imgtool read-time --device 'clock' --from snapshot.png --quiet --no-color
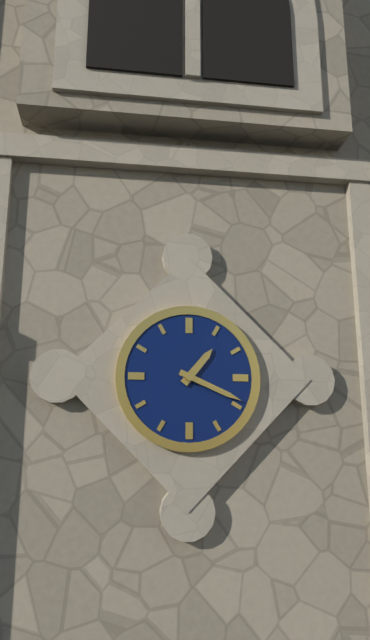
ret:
1:19
